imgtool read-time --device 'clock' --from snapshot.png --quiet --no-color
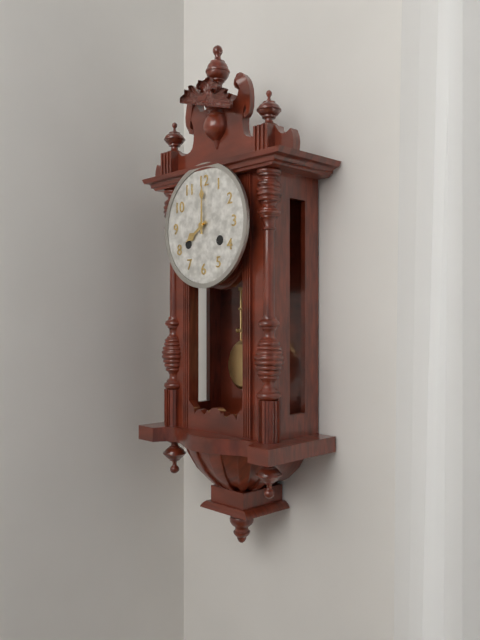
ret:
8:00
